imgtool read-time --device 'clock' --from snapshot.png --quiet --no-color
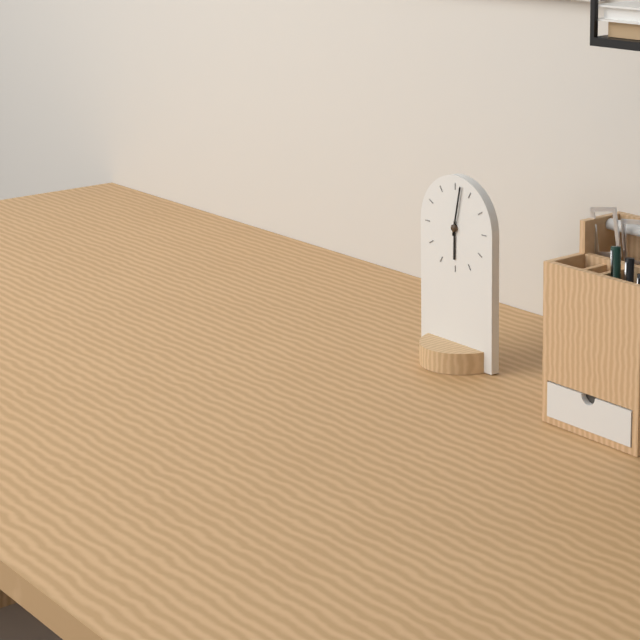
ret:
6:02
